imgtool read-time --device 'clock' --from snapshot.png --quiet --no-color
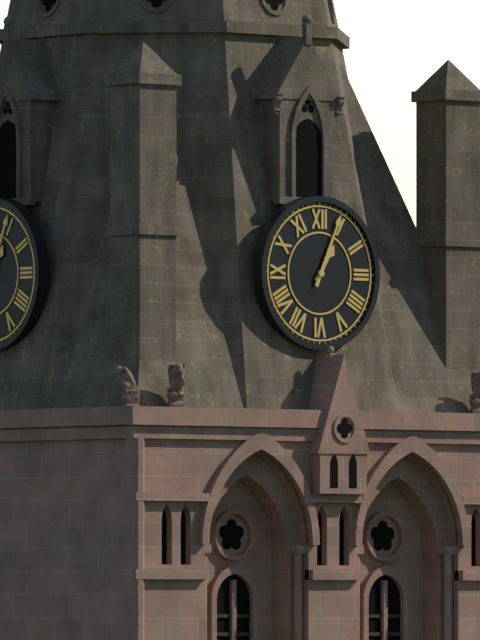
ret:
1:04
